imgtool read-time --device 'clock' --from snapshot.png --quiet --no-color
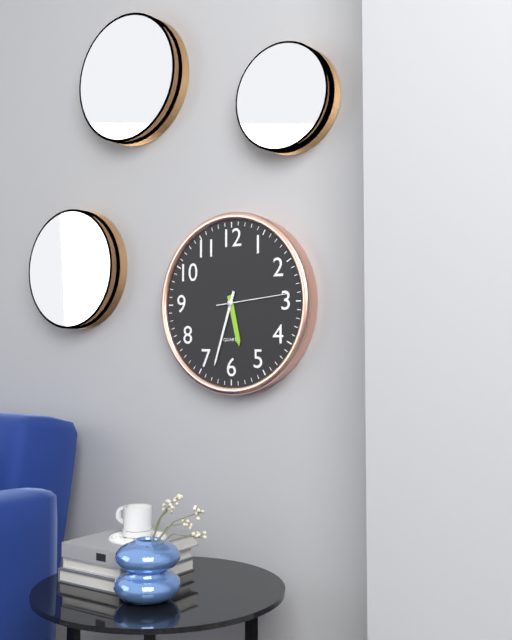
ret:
5:33:14
